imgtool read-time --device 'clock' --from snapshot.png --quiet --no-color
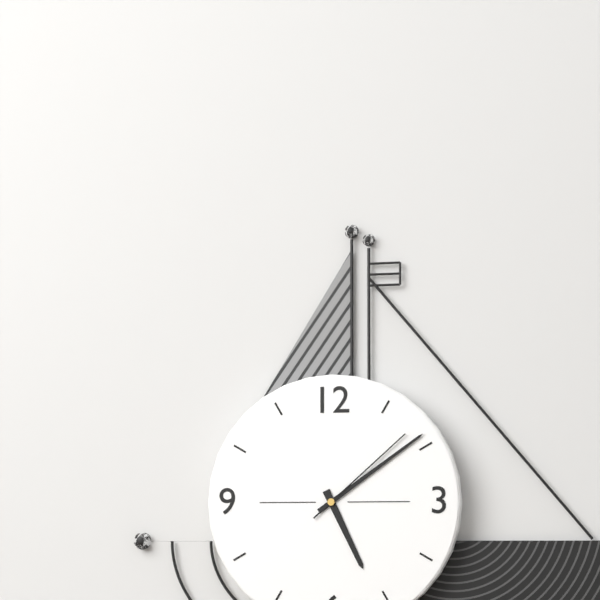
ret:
5:09:08
